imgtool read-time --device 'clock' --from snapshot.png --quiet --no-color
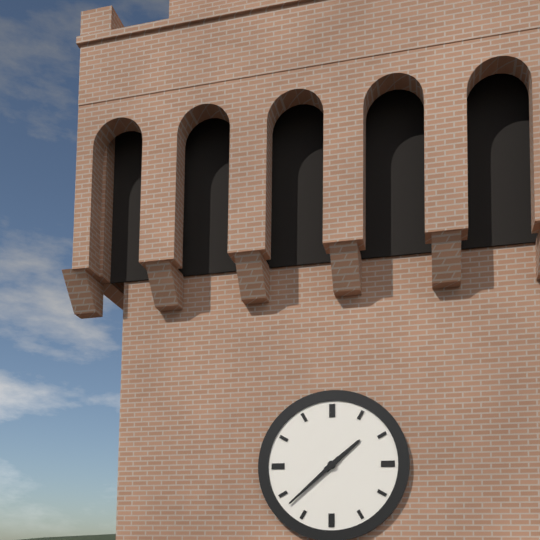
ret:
1:38
